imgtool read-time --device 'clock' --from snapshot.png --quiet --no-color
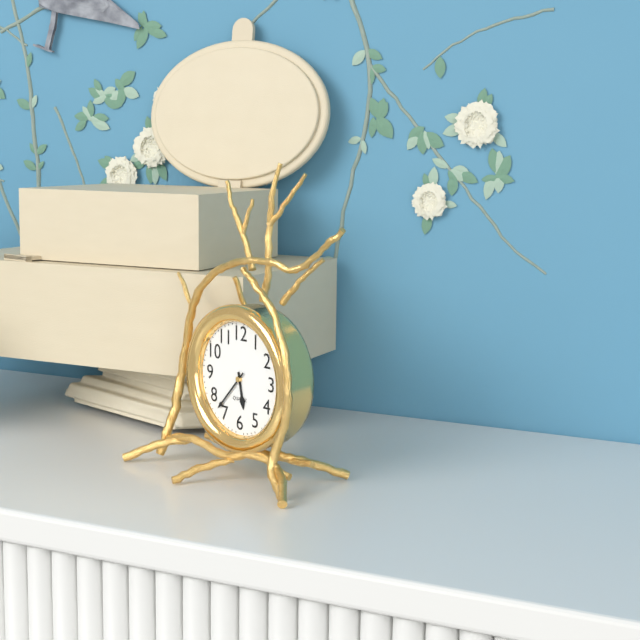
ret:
5:37
